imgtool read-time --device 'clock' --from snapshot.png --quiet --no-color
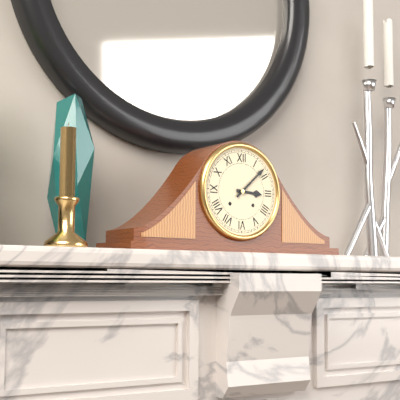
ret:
3:08
